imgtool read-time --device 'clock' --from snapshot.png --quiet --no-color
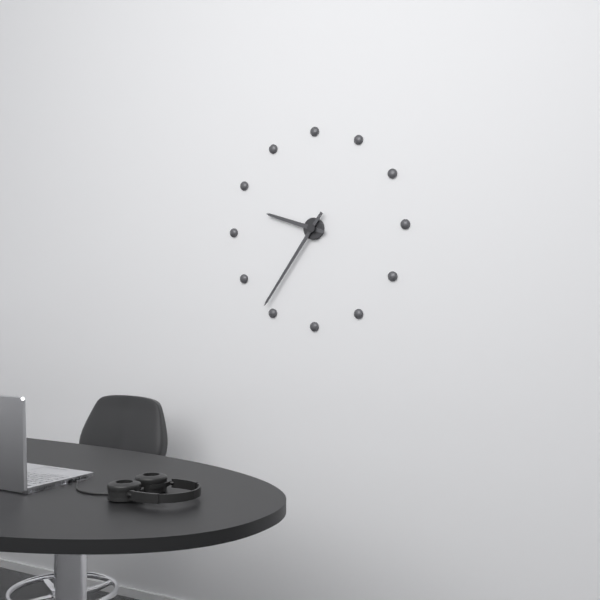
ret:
9:36
